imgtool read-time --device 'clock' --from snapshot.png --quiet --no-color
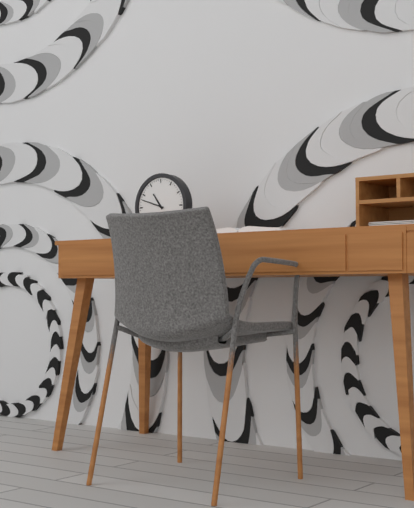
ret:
10:48
